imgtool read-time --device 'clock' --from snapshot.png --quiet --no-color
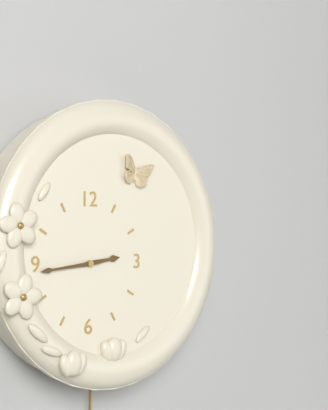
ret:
2:44
